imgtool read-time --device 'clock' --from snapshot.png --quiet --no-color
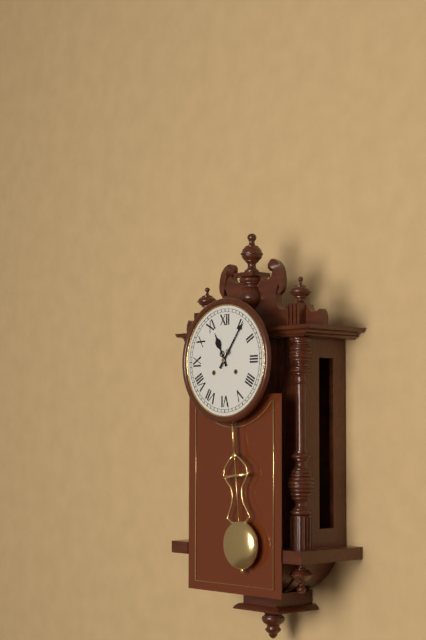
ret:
11:06
